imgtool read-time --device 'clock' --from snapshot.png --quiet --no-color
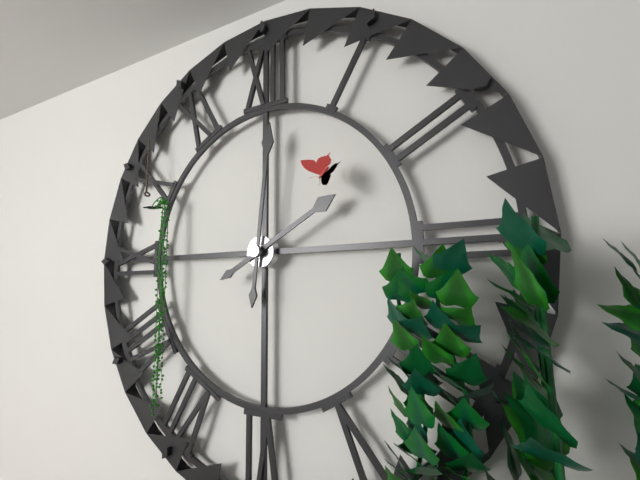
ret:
2:01
